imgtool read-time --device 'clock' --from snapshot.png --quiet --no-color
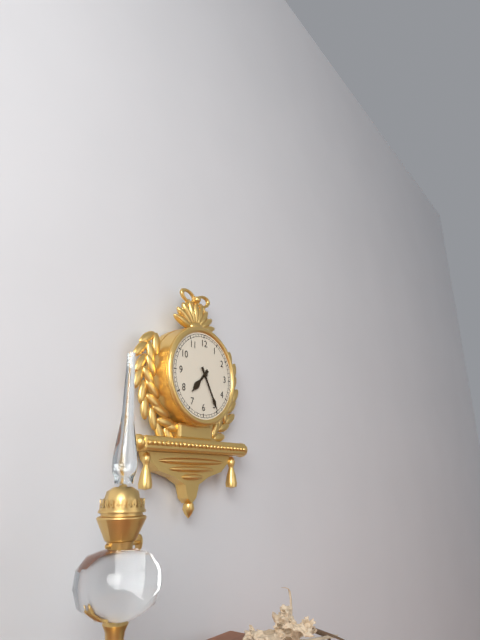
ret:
7:25
